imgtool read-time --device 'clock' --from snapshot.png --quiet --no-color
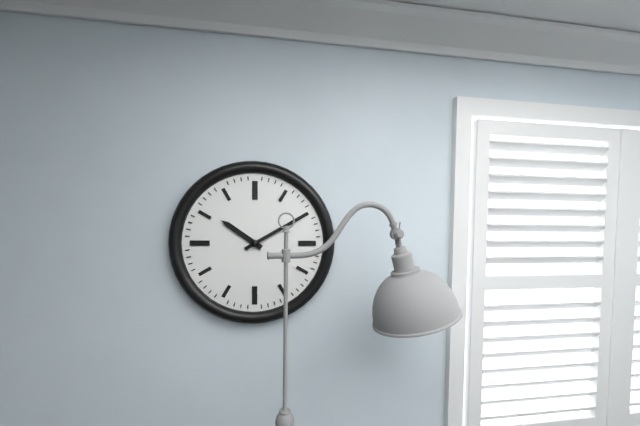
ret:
10:10
